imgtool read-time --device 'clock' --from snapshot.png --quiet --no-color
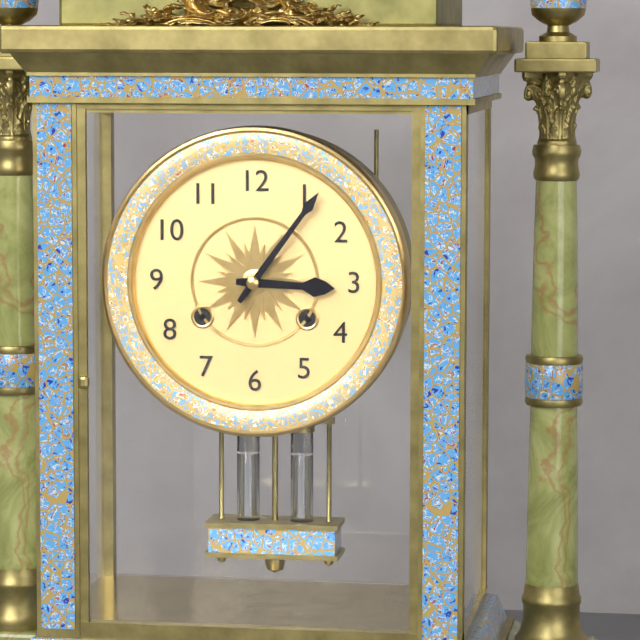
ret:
3:06
